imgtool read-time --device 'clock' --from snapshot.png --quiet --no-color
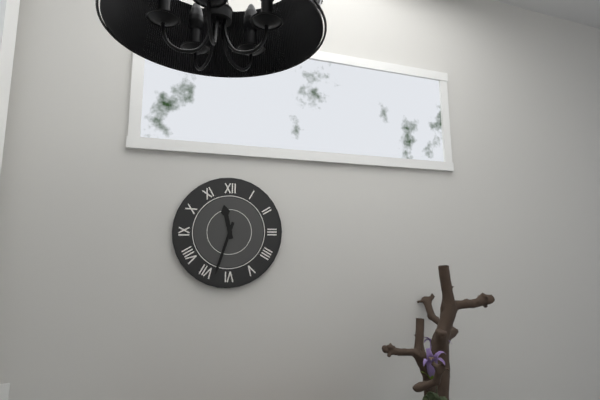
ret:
11:33
